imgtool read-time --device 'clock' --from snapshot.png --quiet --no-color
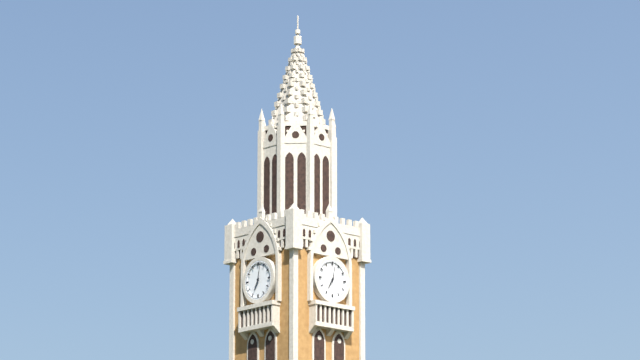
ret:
7:02
